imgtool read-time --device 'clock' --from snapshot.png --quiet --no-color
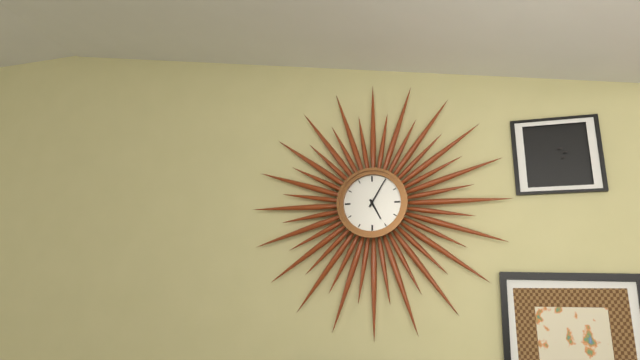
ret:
5:05
